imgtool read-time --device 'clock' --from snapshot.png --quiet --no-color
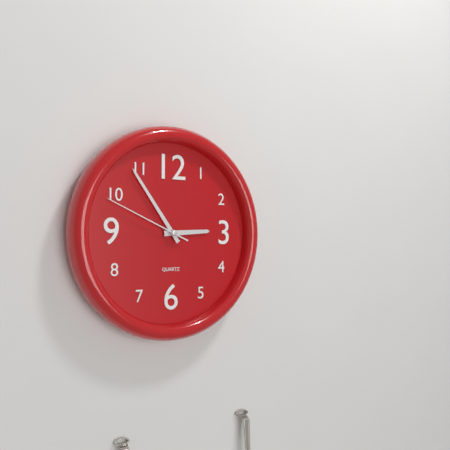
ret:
2:54:49
